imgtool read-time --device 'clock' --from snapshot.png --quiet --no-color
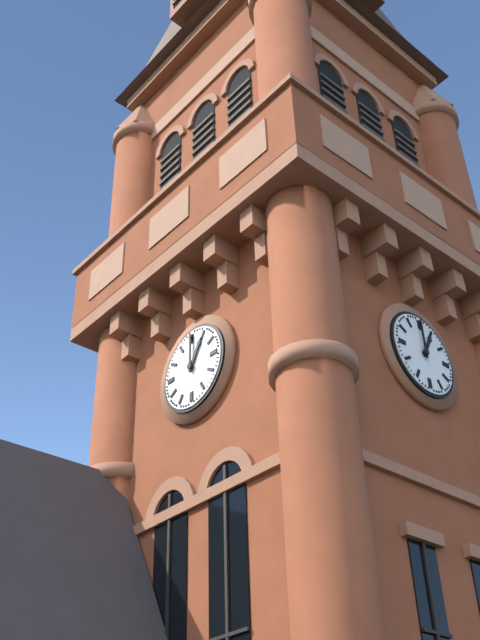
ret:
1:00
